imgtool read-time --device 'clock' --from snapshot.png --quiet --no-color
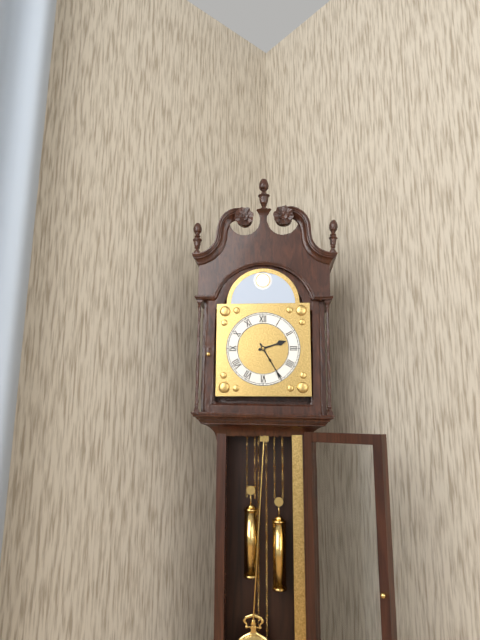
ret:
2:25
